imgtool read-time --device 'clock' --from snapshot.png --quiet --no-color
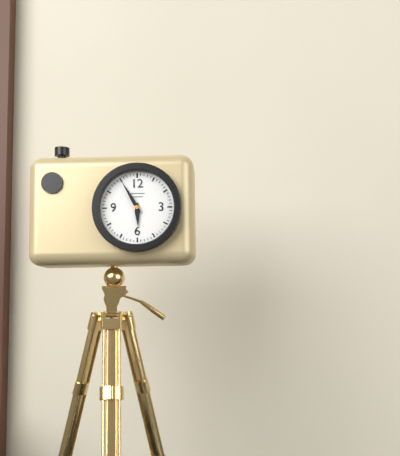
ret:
5:55
